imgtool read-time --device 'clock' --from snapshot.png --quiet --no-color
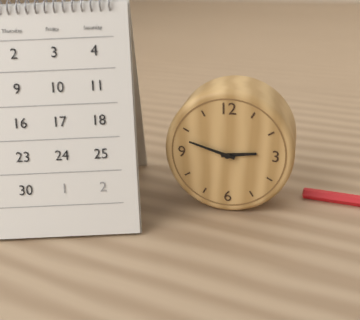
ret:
2:48
